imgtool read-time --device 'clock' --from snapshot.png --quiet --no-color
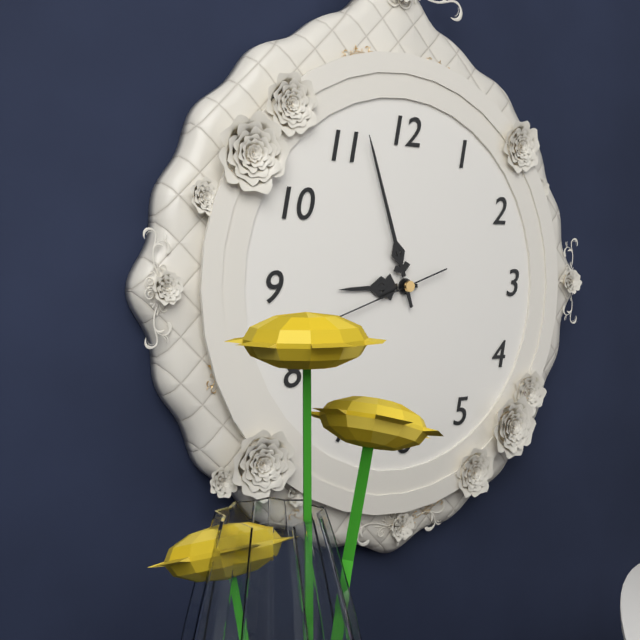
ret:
8:57
